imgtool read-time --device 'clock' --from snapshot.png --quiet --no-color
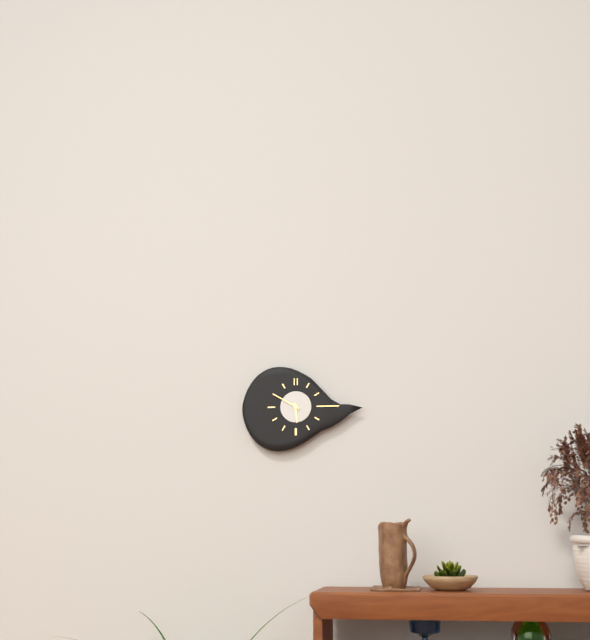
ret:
5:50
